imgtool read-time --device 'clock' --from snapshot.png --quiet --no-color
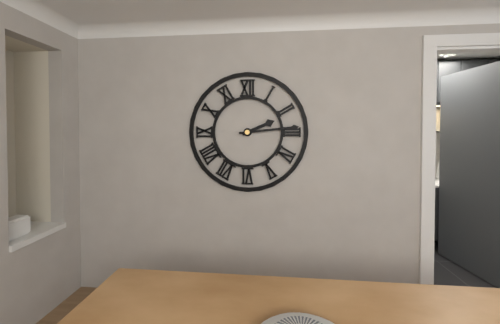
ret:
2:14
